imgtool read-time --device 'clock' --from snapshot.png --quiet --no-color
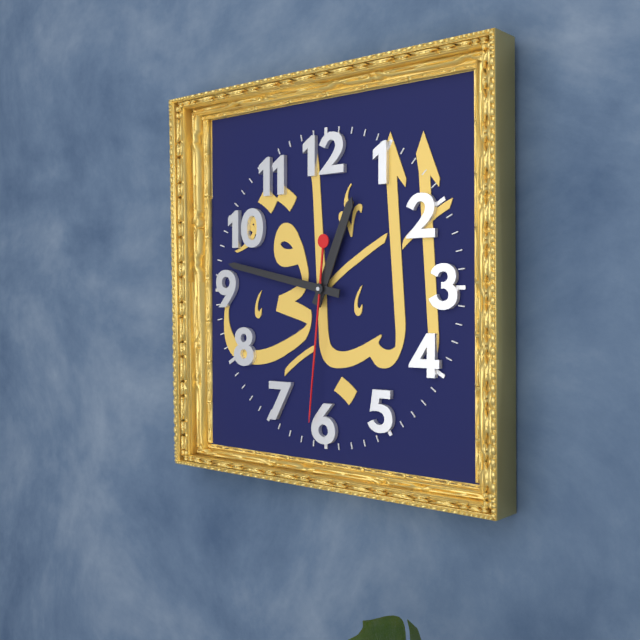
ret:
12:47:31
